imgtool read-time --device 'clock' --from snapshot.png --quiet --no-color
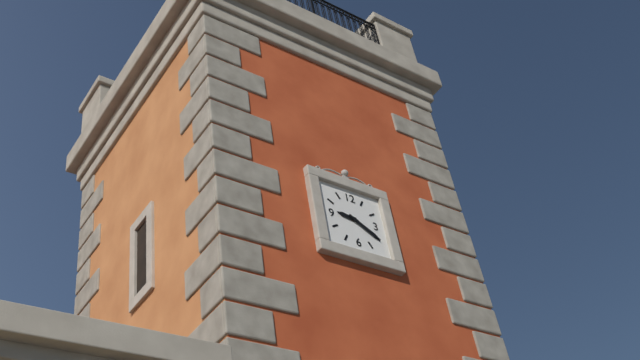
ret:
9:20
